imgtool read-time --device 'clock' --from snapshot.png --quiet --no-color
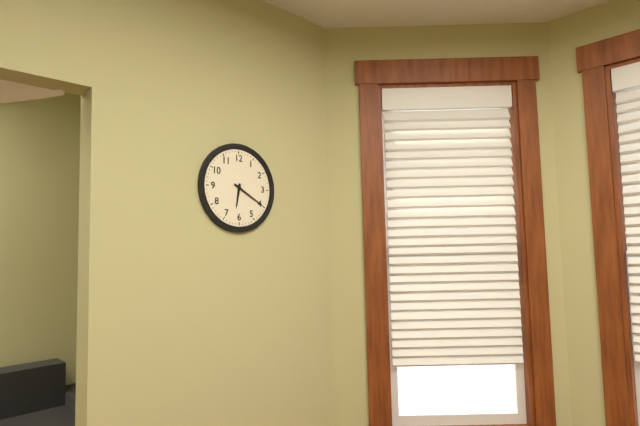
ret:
6:20
